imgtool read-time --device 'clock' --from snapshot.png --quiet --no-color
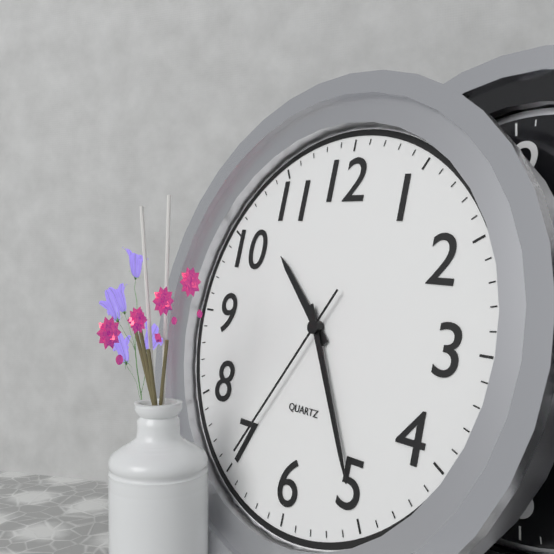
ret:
10:25:35
